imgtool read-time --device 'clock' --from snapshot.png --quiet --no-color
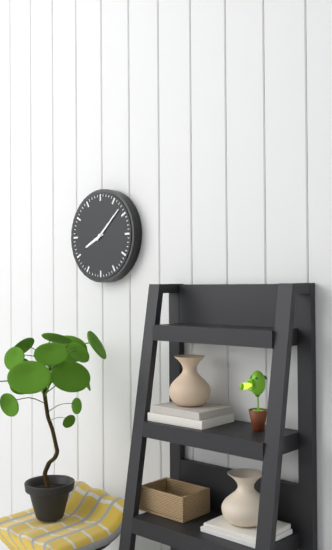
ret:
8:08
